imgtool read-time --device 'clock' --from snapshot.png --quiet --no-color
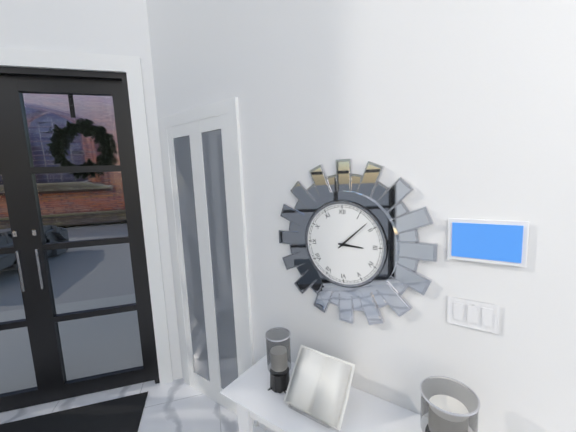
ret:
3:08
